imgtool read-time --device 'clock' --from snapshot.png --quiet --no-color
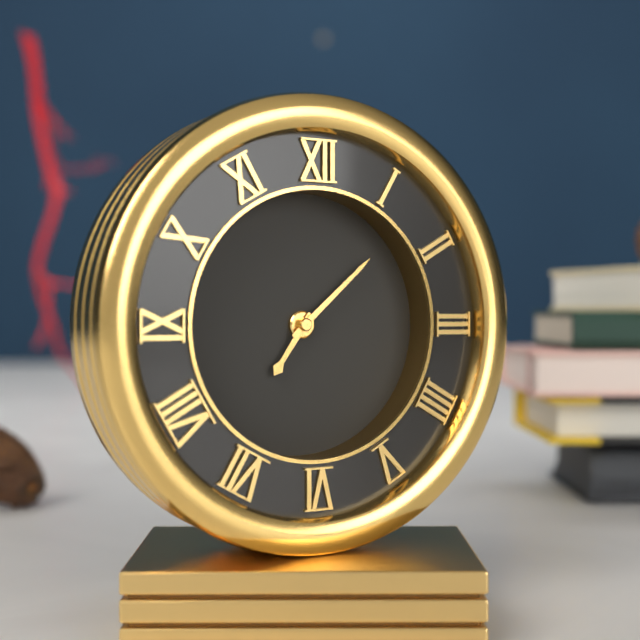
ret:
7:08
